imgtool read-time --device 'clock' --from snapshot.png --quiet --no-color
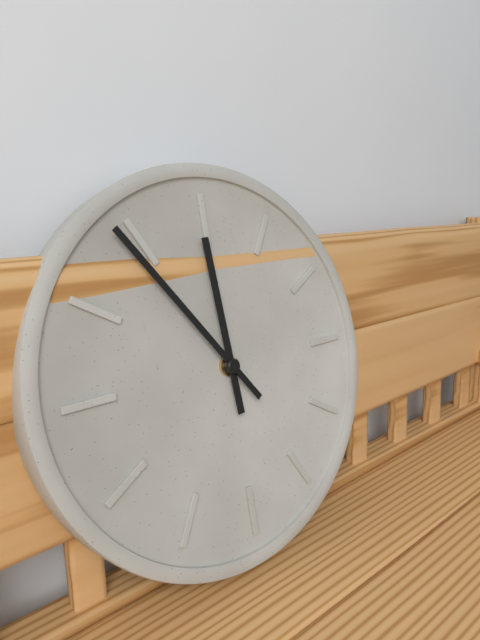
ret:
11:54
